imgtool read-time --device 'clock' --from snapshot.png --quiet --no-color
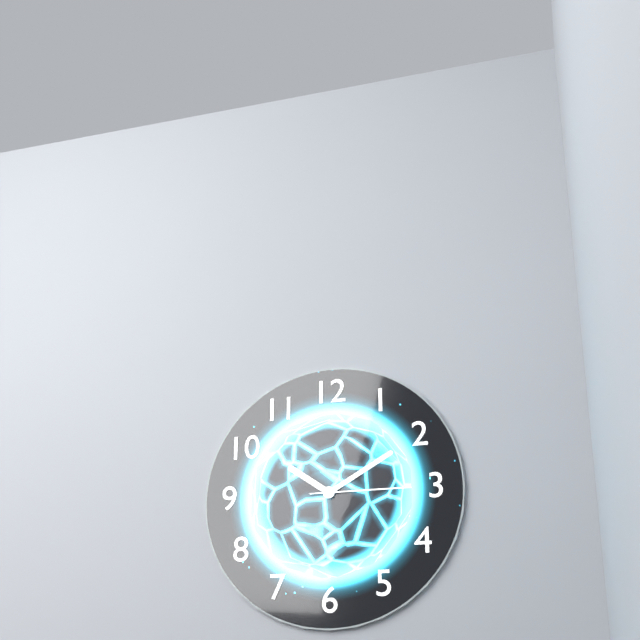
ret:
10:10:15
